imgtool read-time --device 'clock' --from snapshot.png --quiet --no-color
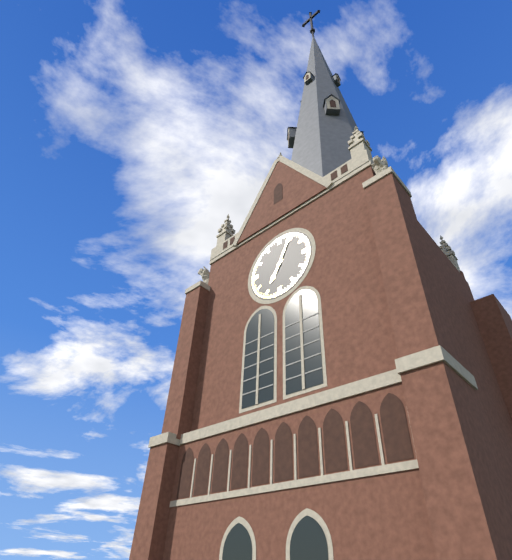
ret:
7:04
